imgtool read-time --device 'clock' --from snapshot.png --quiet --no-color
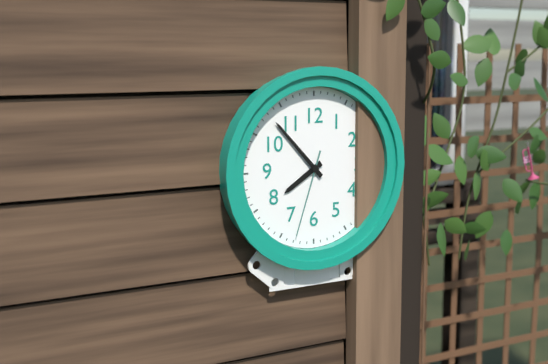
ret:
7:53:33
